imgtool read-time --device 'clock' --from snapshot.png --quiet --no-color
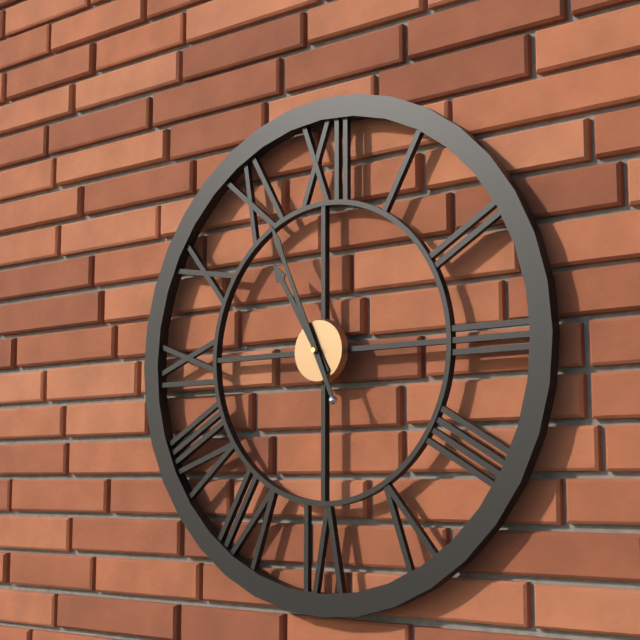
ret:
10:56
